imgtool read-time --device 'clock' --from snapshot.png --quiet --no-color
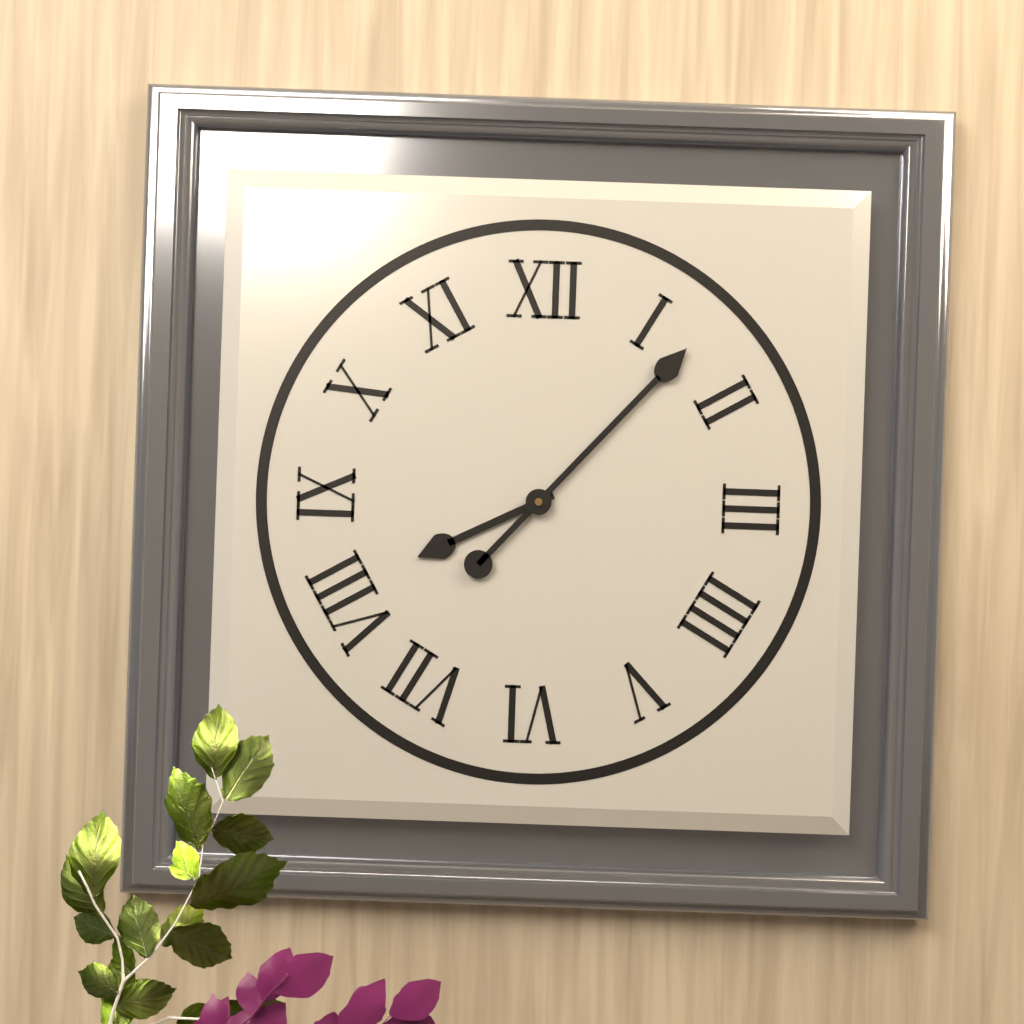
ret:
8:07
